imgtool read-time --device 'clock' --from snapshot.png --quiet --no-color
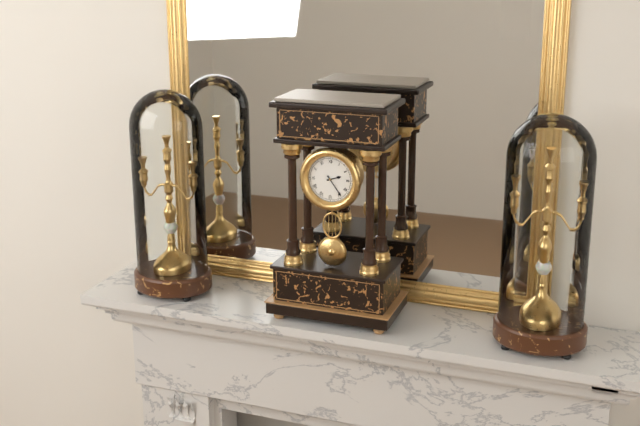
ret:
2:24
